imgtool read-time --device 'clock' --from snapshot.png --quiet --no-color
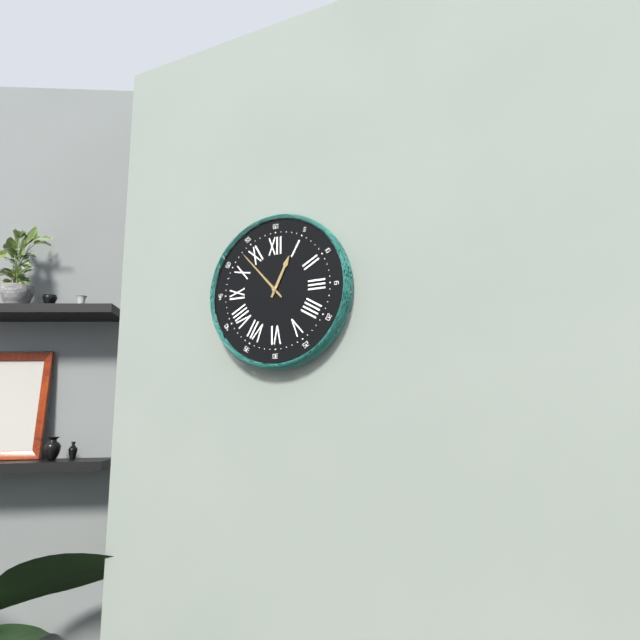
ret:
12:53
